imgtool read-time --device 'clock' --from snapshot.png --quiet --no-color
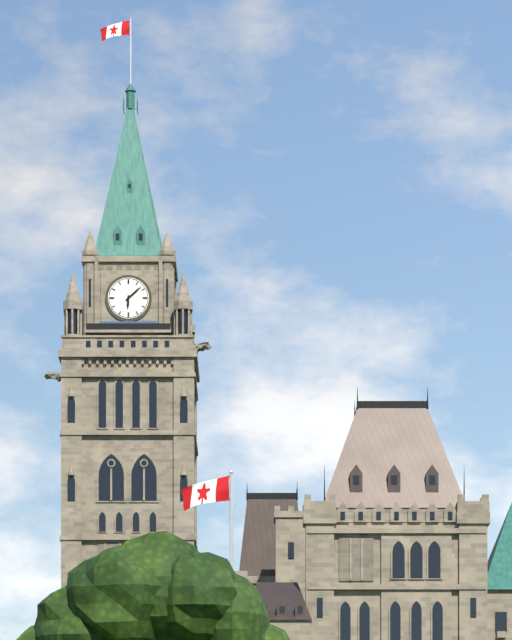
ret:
6:08
